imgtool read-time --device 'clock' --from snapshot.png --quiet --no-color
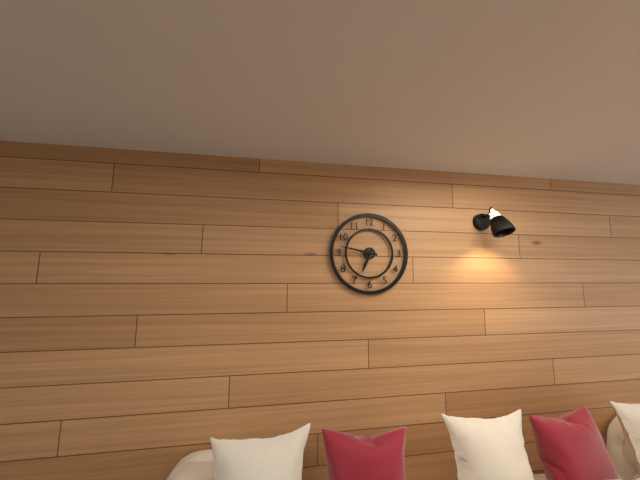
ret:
6:47
